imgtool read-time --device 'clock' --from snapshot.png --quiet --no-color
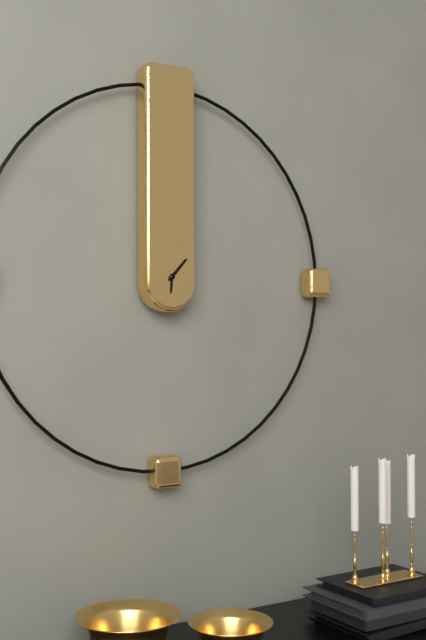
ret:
6:07
